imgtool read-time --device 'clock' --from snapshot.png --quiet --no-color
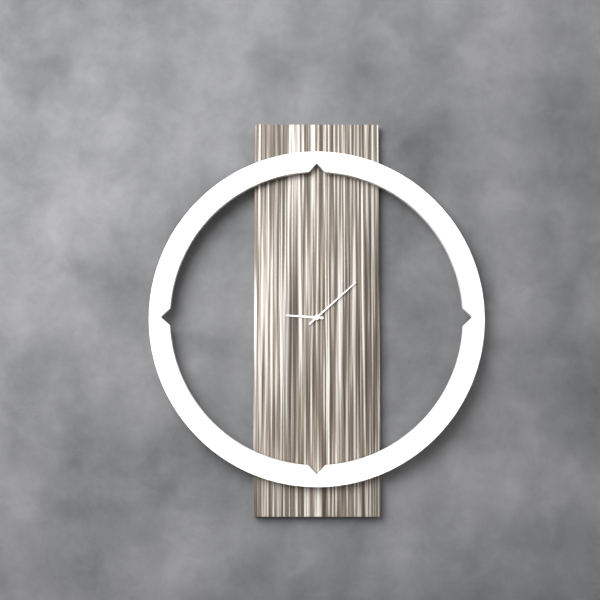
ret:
9:08
